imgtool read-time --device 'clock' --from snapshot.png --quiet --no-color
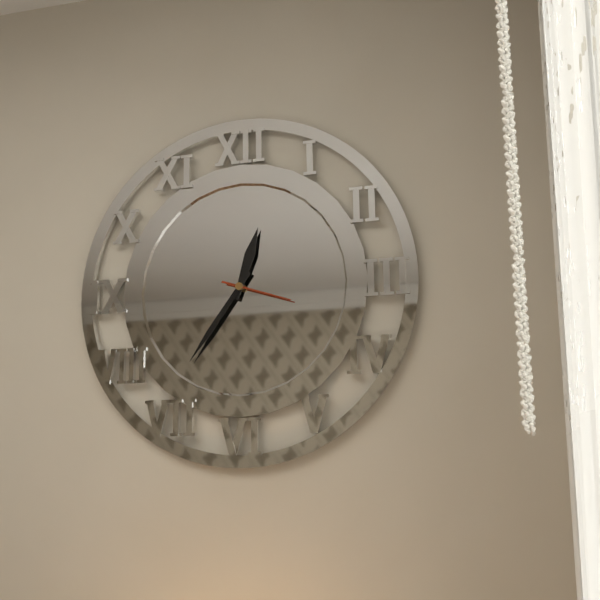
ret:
12:36:18
